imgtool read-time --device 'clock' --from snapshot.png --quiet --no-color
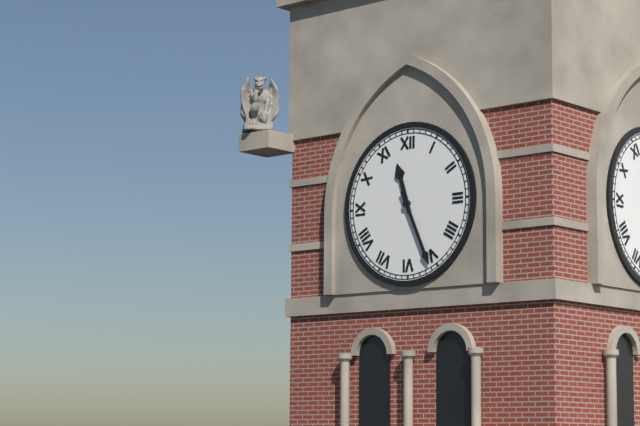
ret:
11:26
